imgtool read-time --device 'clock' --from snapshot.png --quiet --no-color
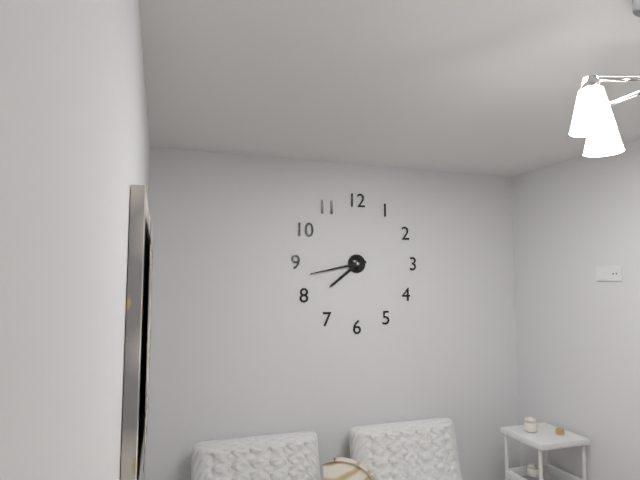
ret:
7:43
